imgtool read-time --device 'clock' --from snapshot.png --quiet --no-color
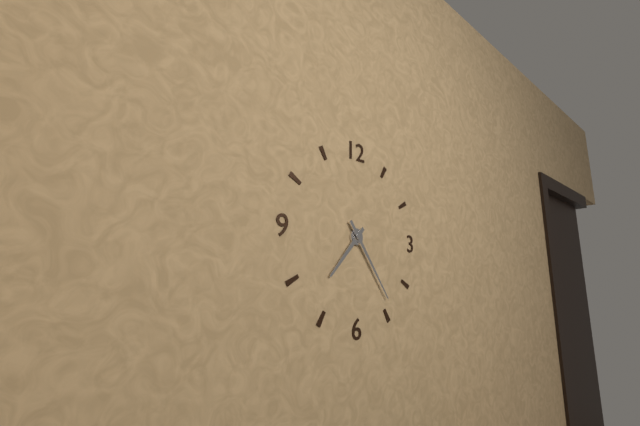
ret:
7:24
